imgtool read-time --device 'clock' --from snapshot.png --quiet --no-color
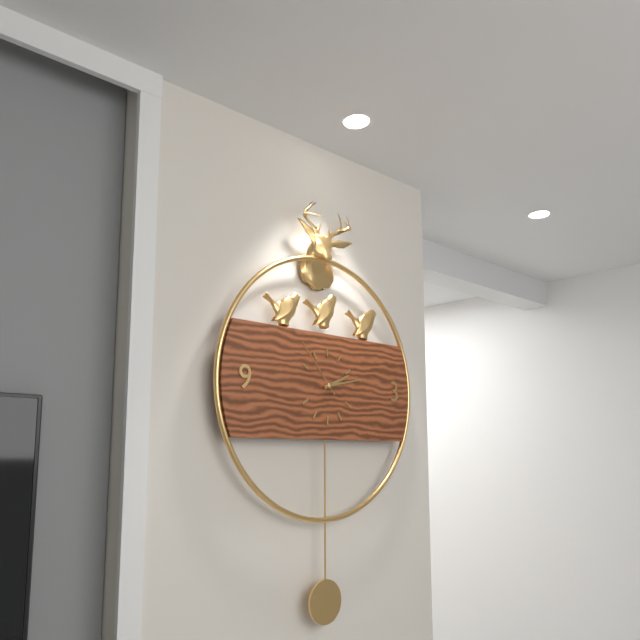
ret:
2:13:53
